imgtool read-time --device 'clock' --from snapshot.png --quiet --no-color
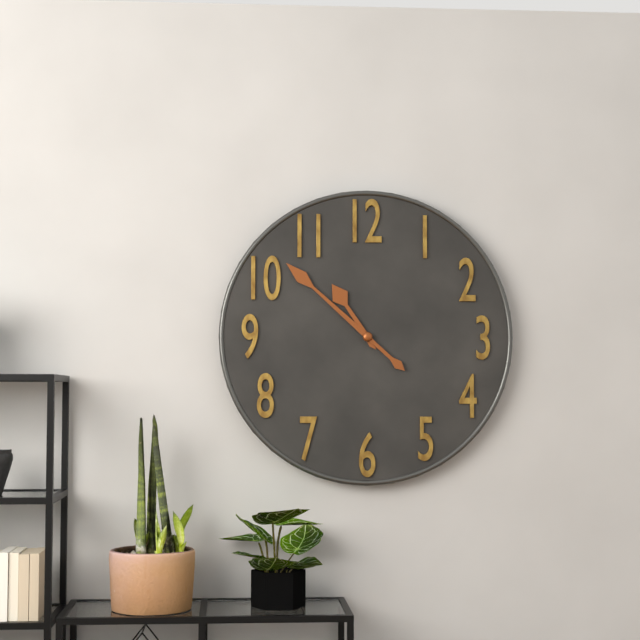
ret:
10:52
